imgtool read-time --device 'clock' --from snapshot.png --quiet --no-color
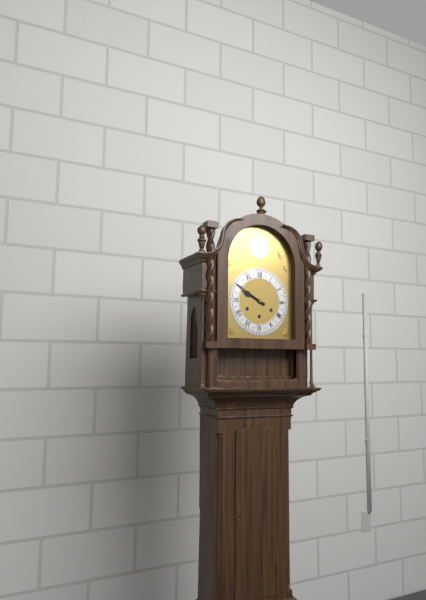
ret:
9:50
